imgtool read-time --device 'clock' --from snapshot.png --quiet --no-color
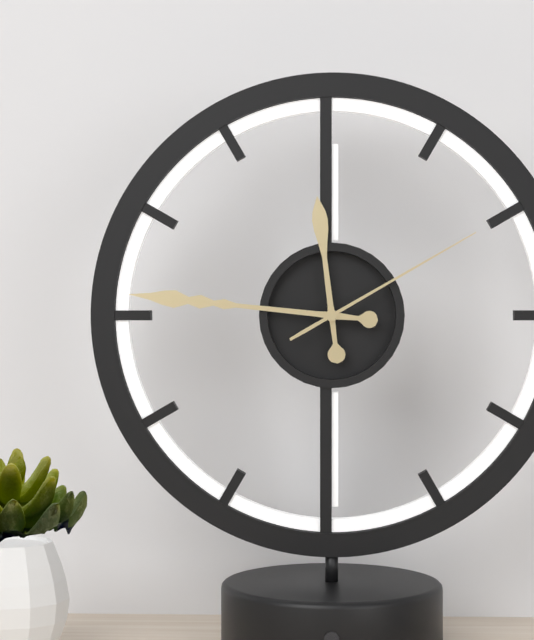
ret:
11:46:10
